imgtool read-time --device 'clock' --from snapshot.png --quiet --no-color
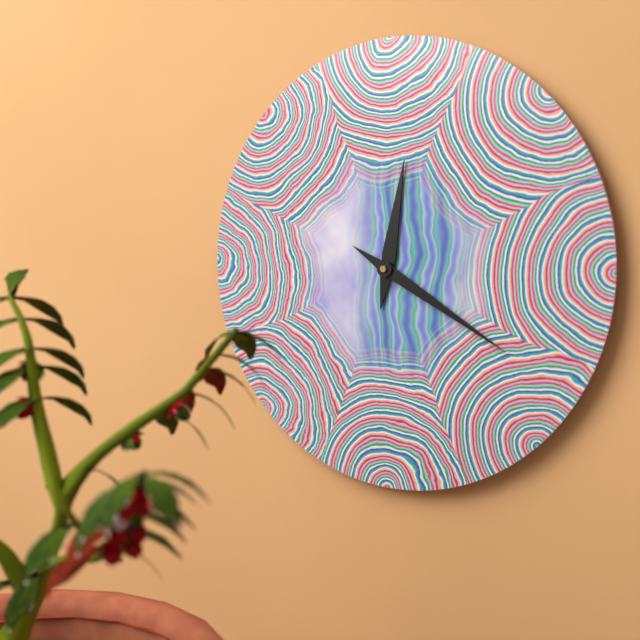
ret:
12:20
